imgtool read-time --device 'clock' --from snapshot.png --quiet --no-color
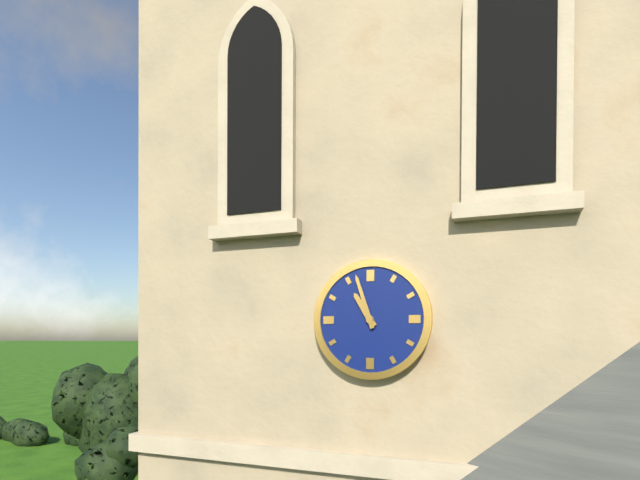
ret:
10:57
